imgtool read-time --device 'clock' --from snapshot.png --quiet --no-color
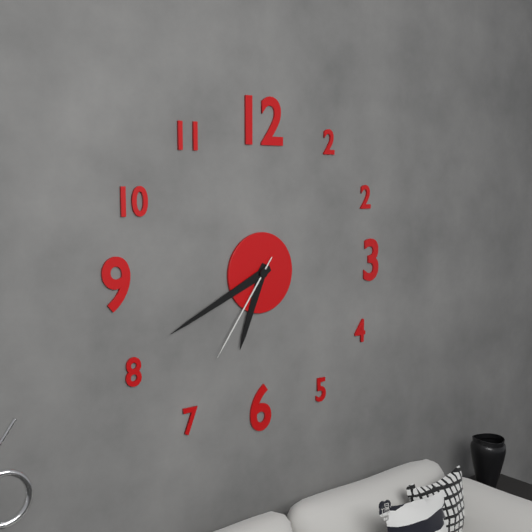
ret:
6:41:36
